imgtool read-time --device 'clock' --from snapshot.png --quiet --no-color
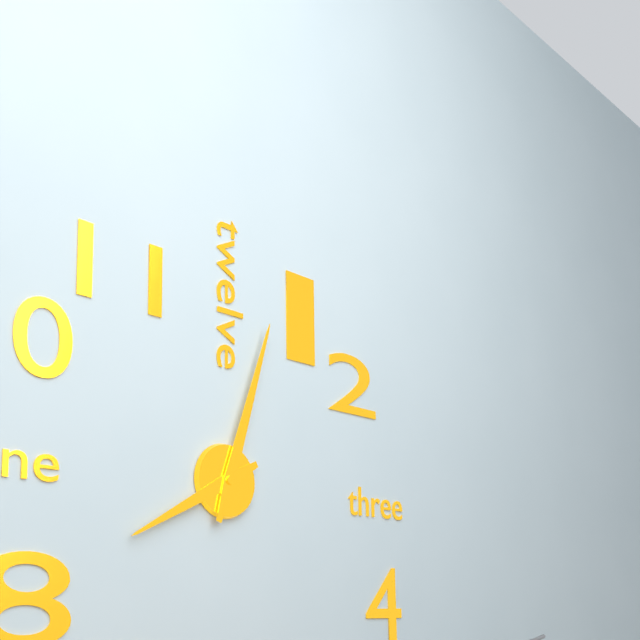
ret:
8:03
